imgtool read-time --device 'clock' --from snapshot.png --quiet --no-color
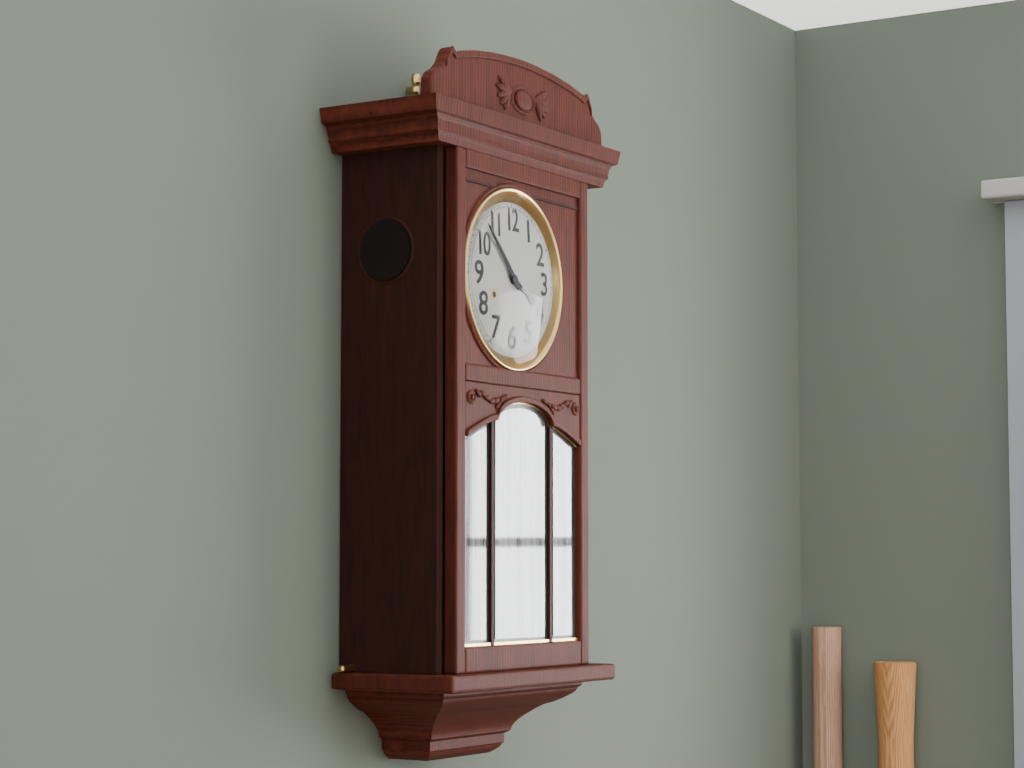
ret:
3:53
